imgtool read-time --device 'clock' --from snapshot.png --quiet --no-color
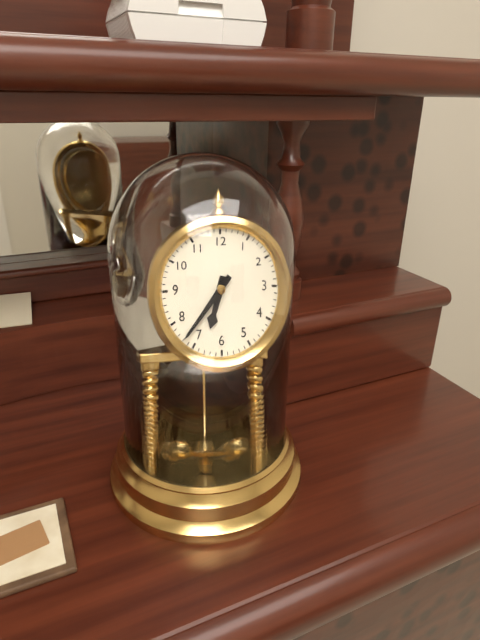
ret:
6:37
